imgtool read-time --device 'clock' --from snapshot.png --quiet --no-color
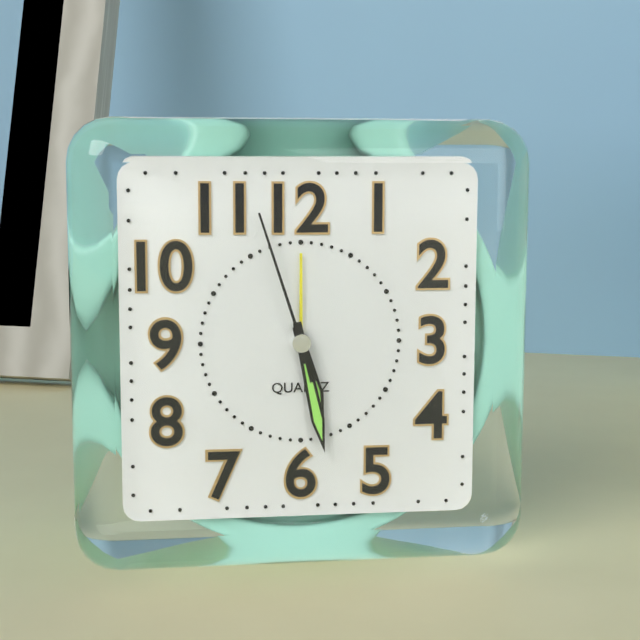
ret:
5:28:57
